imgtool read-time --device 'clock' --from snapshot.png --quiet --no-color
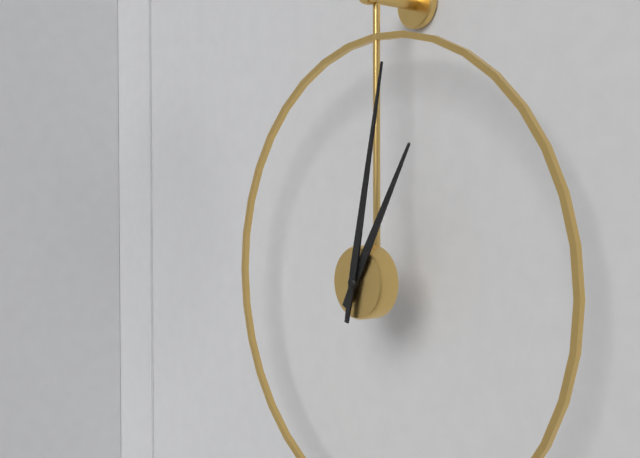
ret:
1:02
